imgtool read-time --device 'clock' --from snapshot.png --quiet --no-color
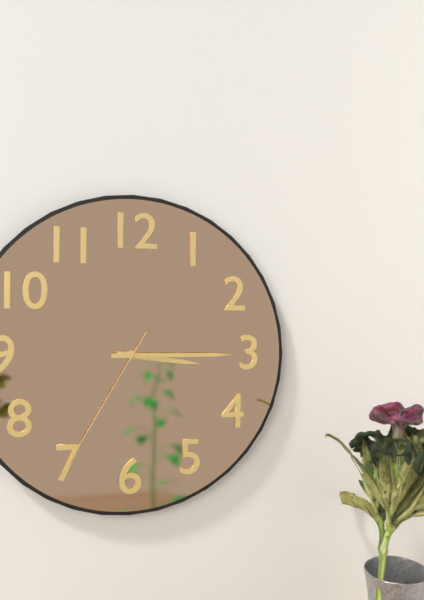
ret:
3:15:35
